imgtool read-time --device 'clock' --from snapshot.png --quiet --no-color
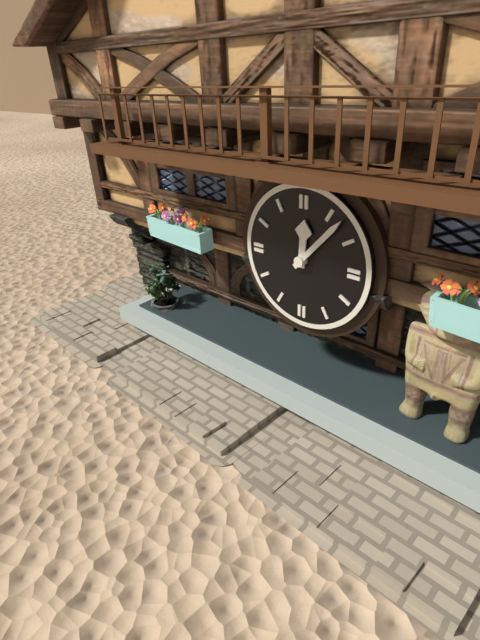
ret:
12:07
